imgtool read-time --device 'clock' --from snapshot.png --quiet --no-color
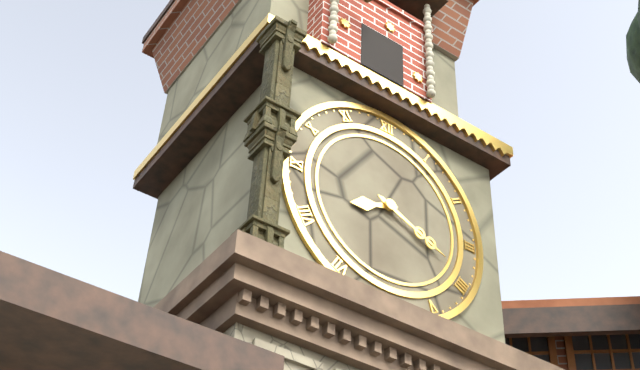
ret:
8:19
